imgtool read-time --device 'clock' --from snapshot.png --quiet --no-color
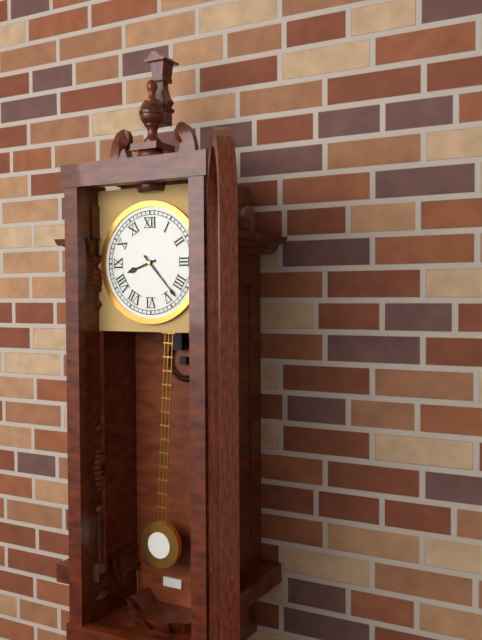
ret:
8:23
